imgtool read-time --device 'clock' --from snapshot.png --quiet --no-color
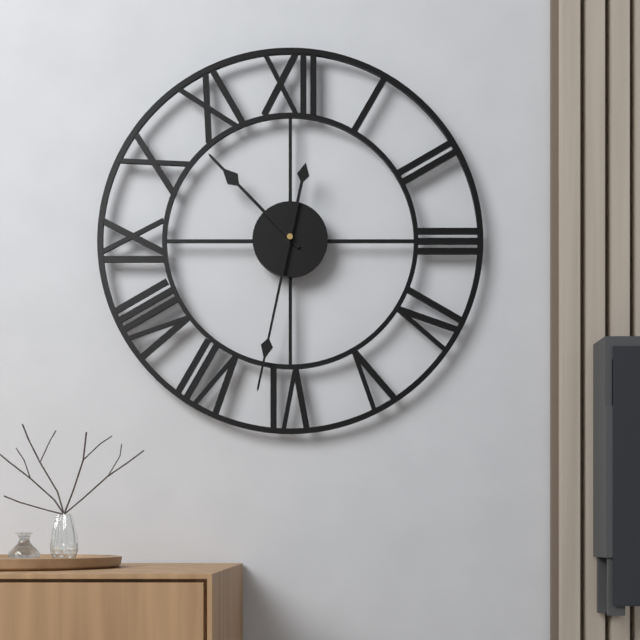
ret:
10:32
